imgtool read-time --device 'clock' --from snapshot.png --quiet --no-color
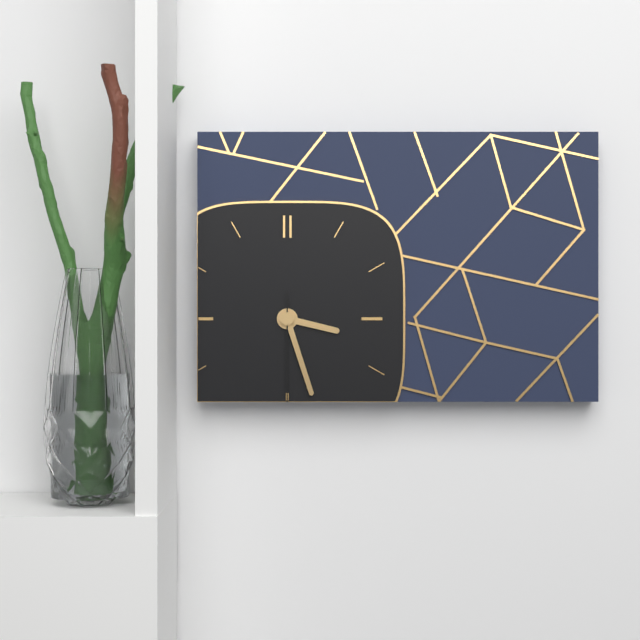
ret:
3:27:30
